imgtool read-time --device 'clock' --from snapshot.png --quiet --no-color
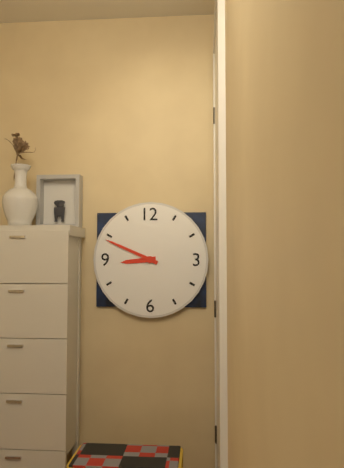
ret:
8:49
